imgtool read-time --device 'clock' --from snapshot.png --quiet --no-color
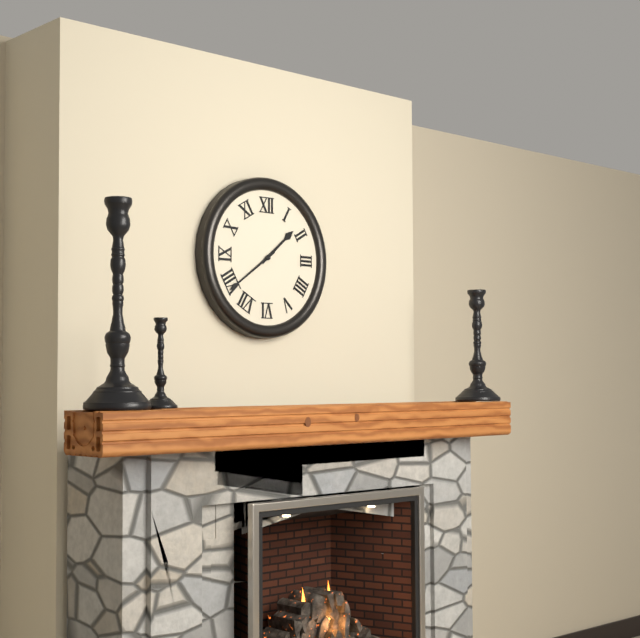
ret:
1:39
